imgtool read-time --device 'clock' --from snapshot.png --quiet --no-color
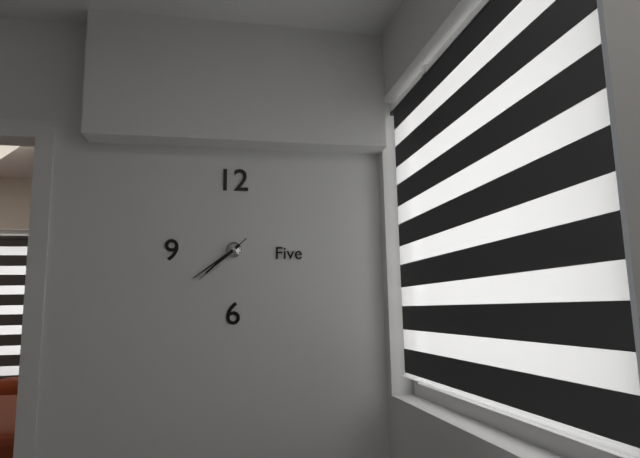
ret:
7:39:38
